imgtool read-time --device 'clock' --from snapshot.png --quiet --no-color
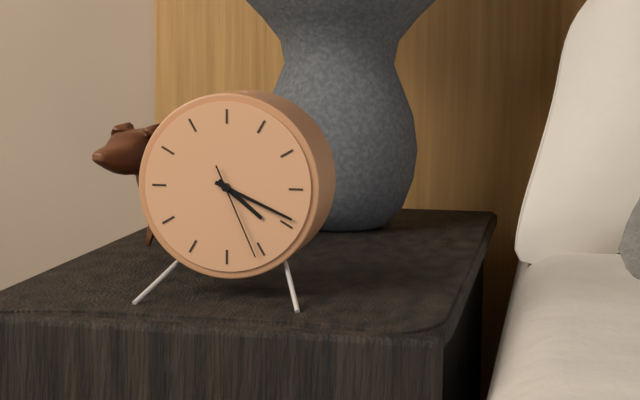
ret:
4:19:26
